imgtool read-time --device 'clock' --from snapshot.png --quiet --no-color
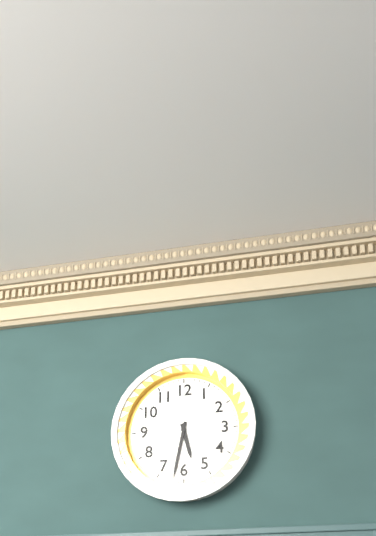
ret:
5:32
